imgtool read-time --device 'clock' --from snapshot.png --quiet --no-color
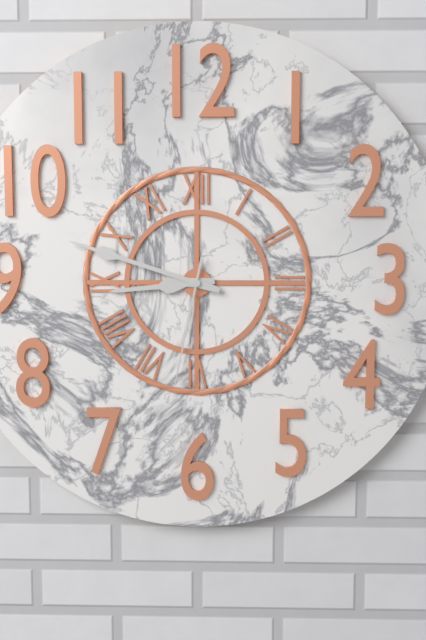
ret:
8:48:32
